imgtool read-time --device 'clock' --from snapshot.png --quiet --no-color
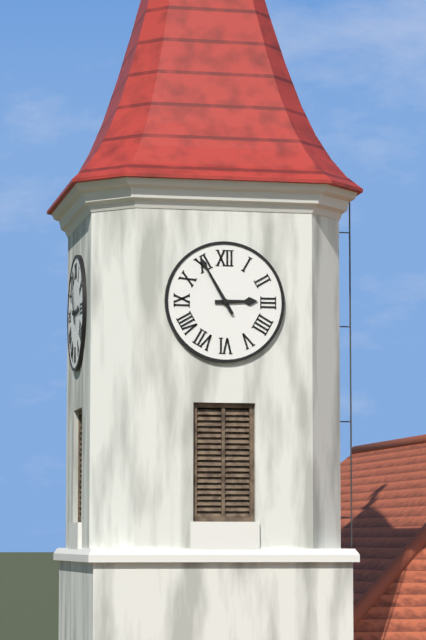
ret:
2:55
